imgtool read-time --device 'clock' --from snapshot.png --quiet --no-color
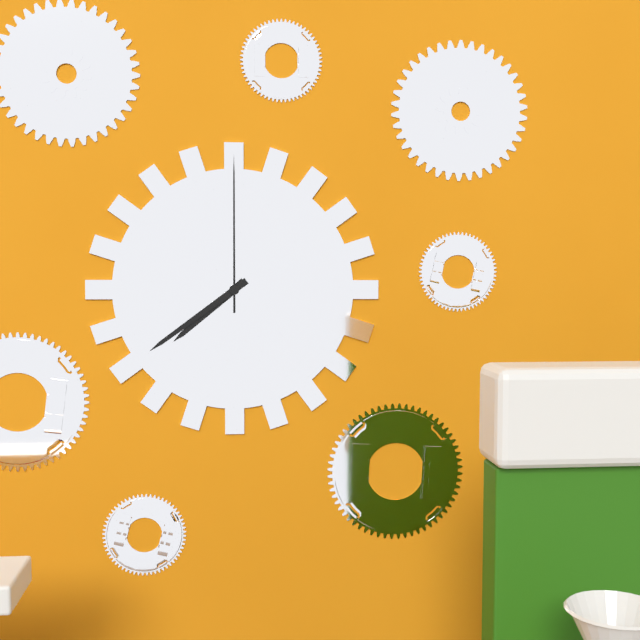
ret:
7:39:00
